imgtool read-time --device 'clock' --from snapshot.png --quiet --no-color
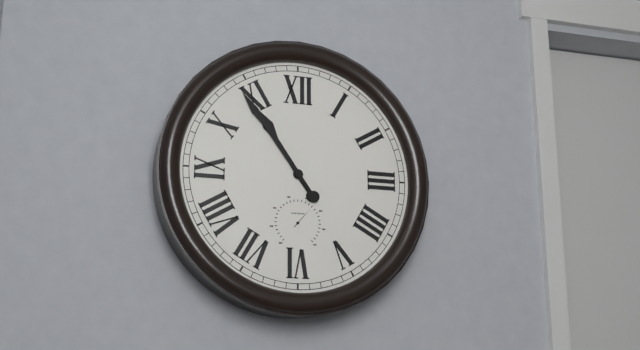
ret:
10:54
